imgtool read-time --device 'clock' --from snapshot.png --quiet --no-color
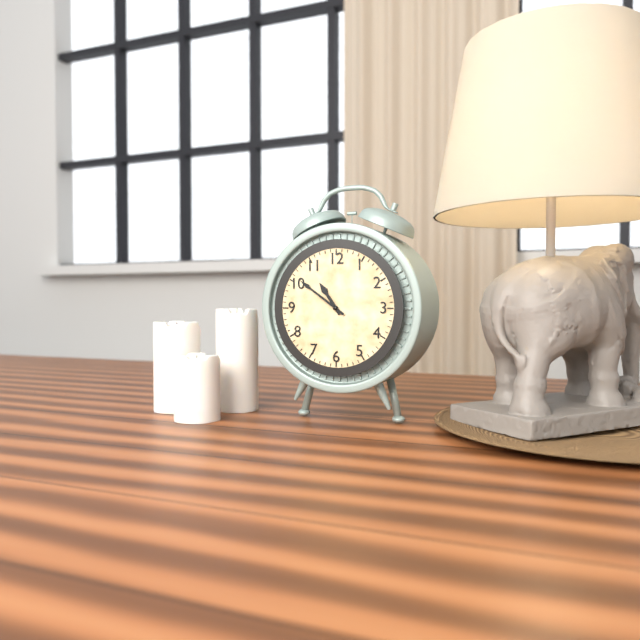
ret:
10:51
